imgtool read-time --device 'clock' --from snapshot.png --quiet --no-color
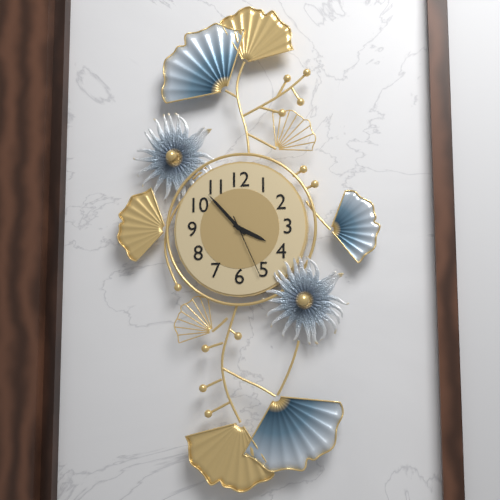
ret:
3:53:26
